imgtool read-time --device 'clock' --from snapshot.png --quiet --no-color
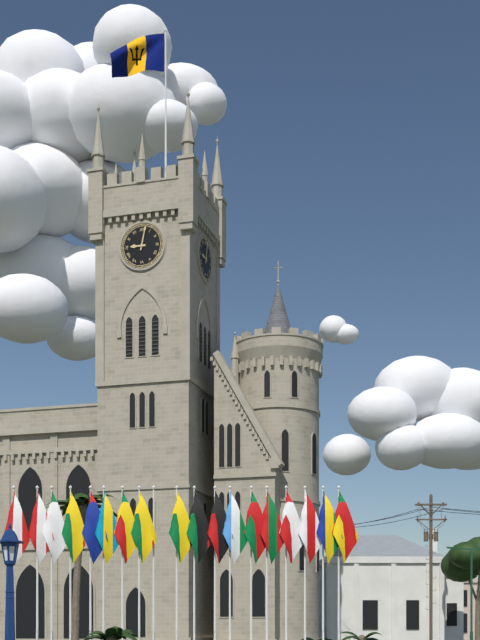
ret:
9:02
